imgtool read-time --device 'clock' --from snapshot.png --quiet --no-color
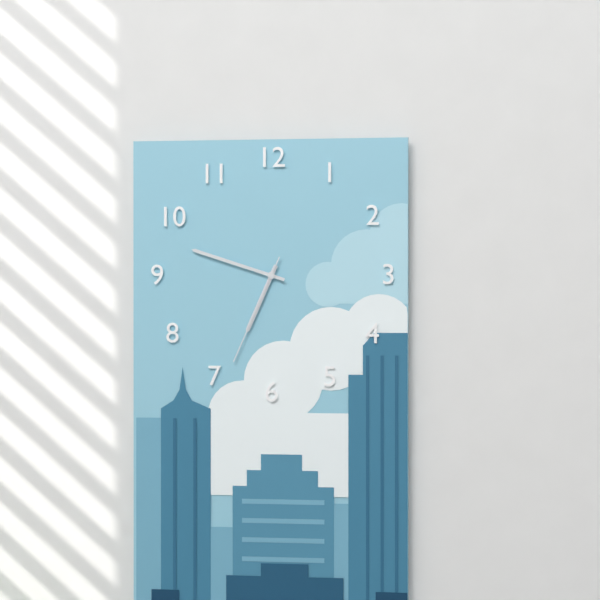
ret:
6:48:34
